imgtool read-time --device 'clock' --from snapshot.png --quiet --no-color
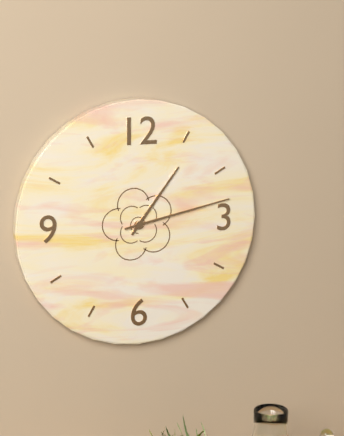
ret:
1:13
